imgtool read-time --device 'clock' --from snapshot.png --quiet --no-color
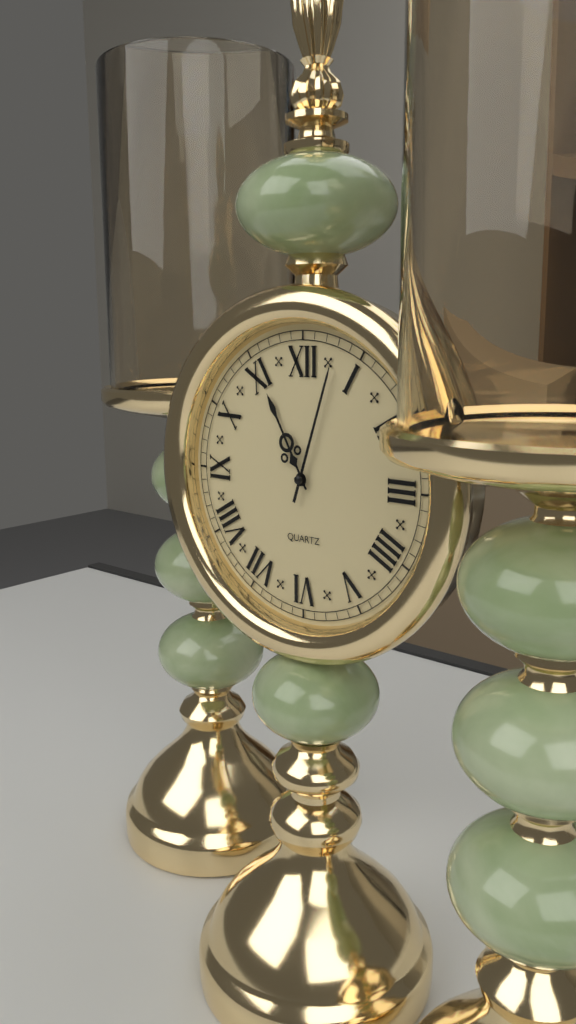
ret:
11:03
